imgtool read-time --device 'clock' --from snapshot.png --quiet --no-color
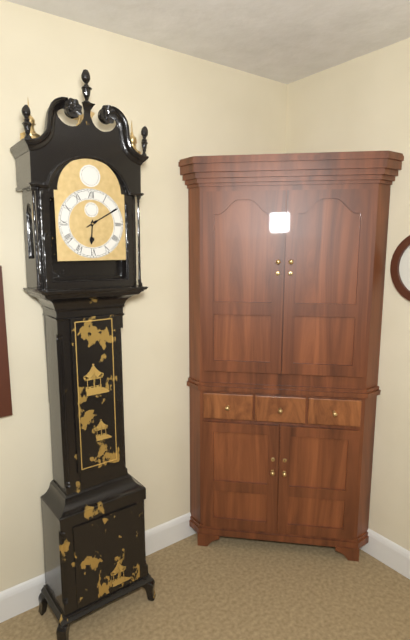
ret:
6:10
